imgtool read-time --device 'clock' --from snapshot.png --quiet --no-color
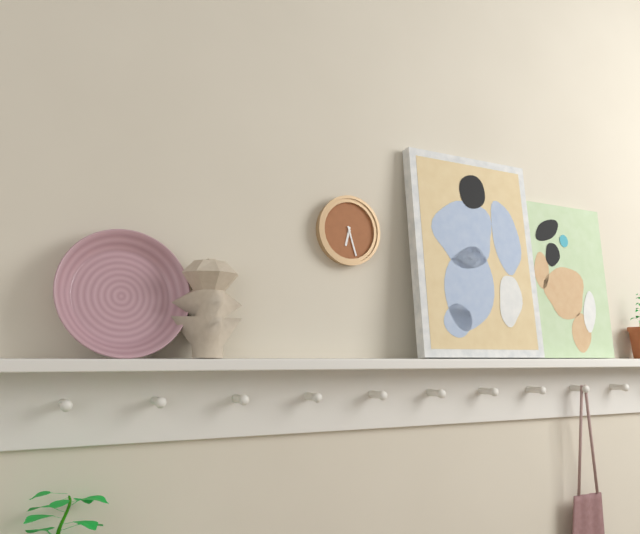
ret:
6:27
